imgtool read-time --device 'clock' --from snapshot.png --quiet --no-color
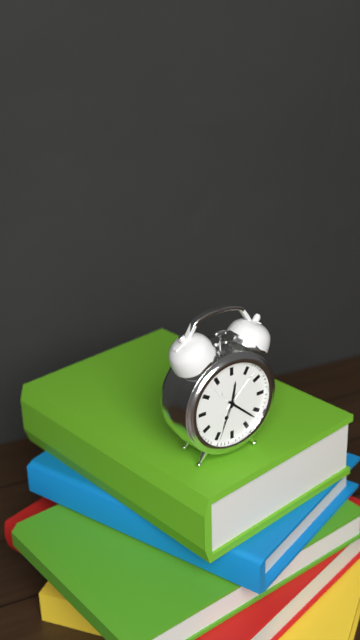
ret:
12:22:34
